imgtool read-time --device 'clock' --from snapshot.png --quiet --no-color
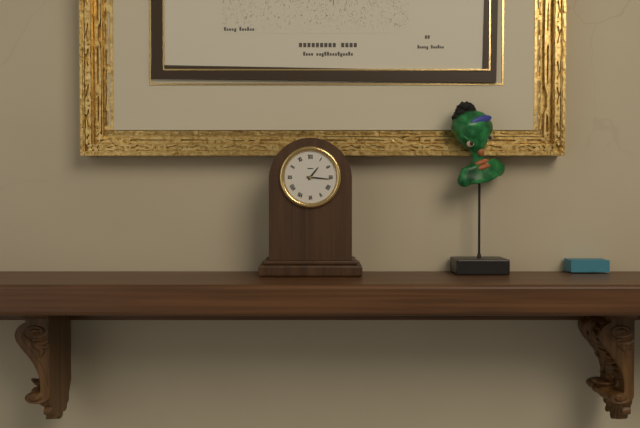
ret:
1:16
